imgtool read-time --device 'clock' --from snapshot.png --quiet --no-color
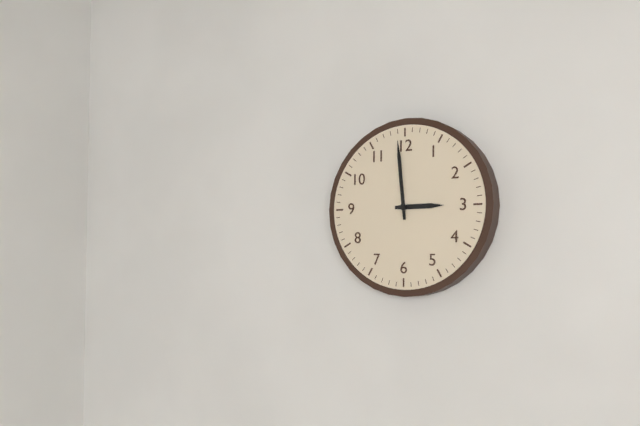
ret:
2:59
